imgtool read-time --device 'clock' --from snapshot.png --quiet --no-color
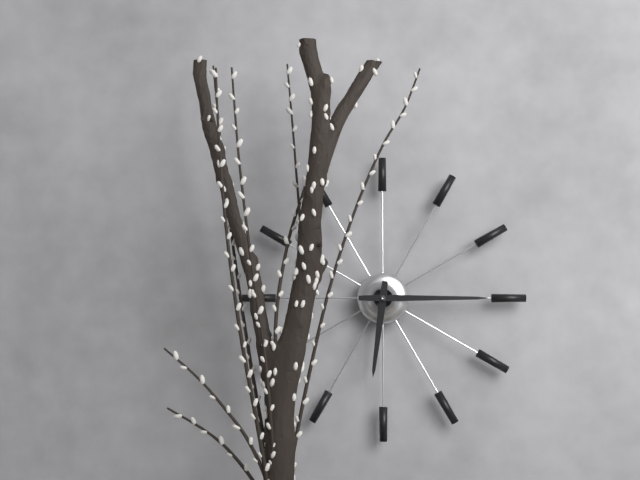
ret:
6:15
